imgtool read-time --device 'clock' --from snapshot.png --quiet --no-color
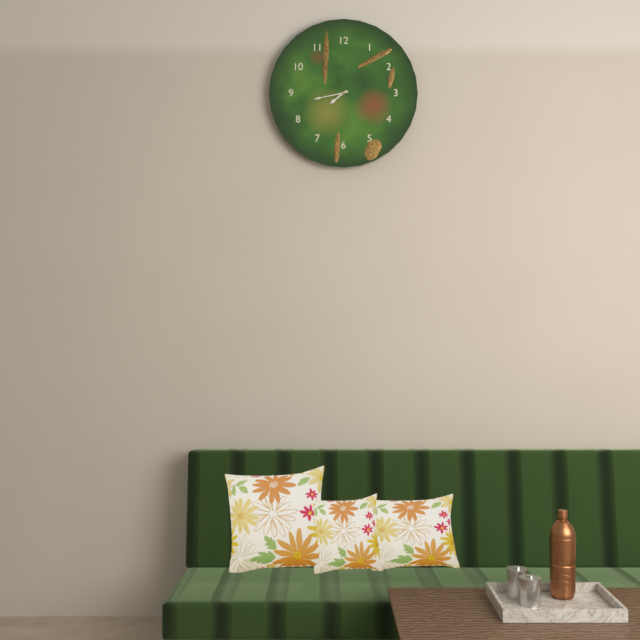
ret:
7:43
